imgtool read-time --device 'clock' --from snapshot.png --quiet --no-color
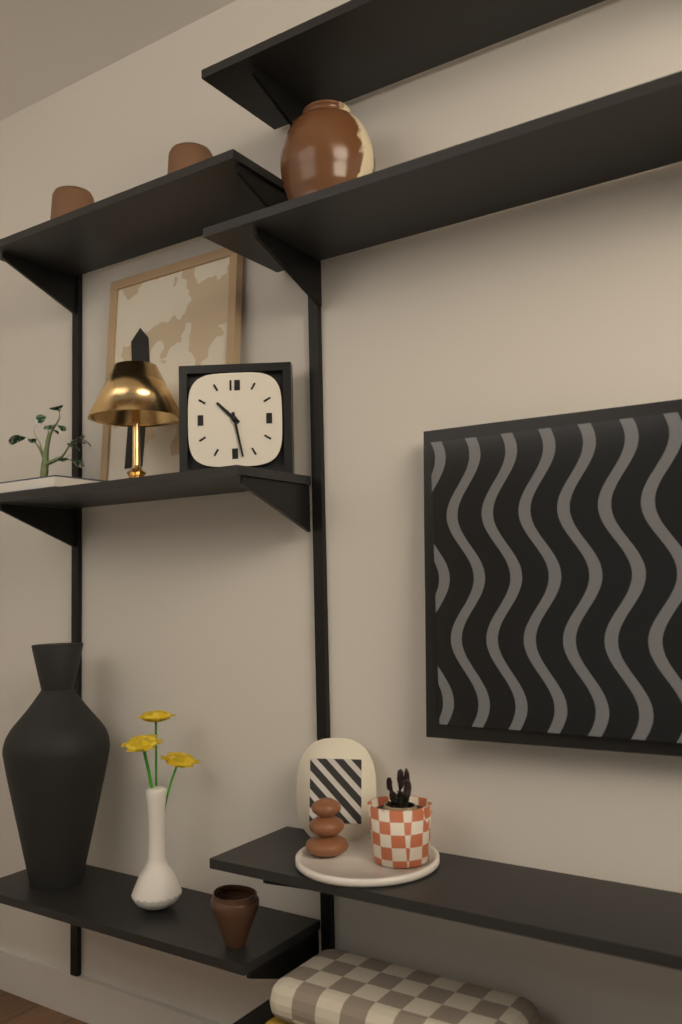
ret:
10:28
